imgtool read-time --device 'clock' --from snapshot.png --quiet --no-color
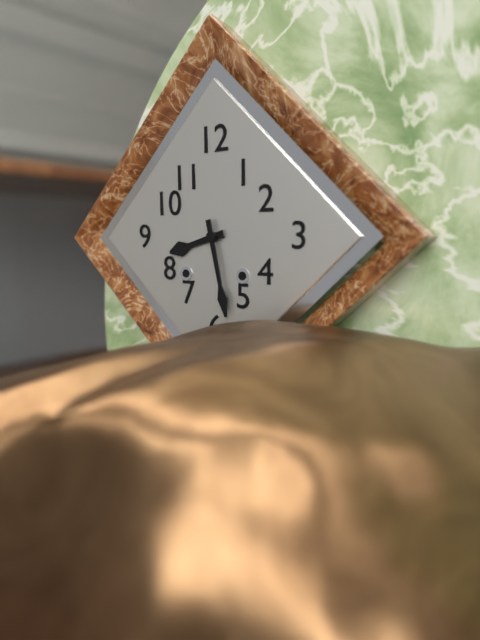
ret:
8:28
